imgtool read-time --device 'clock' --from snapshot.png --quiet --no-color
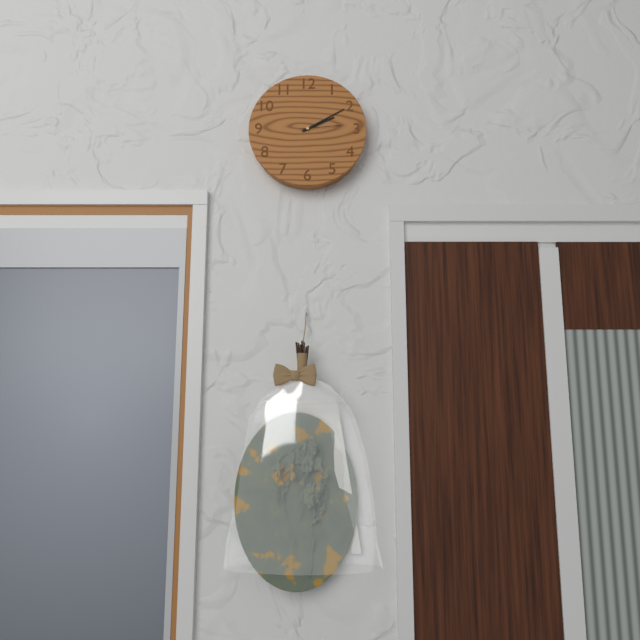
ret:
2:10
